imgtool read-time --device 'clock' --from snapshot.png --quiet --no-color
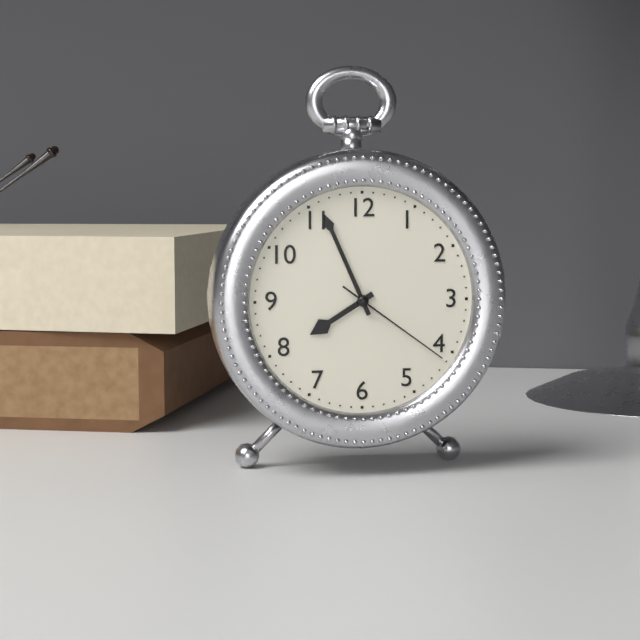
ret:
7:56:21
